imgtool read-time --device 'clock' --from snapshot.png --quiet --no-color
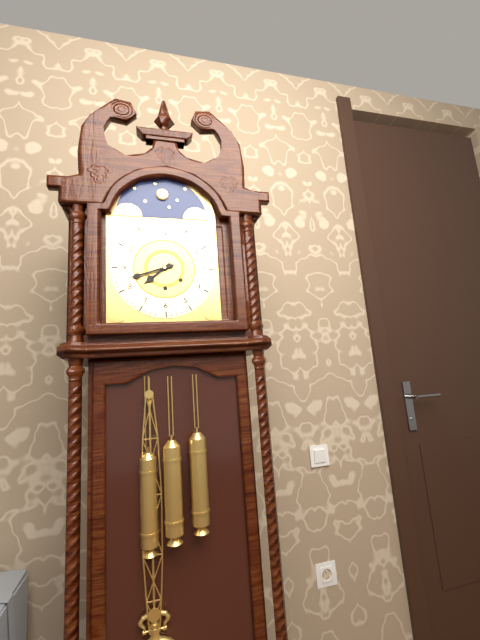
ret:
7:42
